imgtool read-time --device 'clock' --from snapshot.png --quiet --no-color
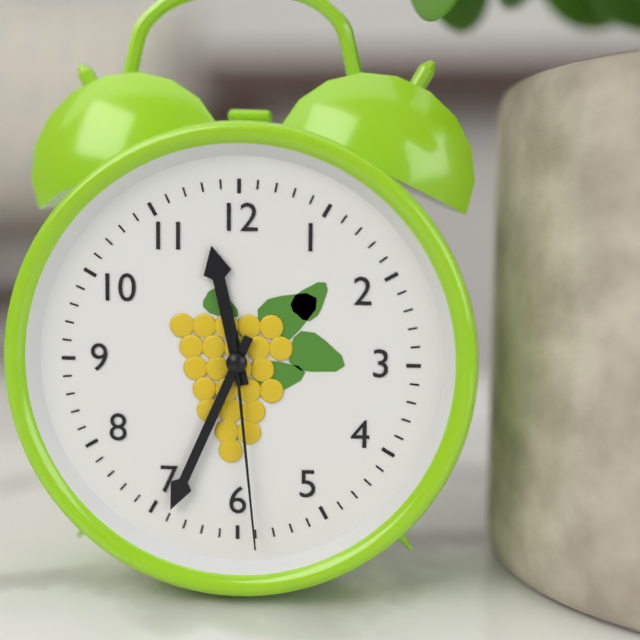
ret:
11:34:29
